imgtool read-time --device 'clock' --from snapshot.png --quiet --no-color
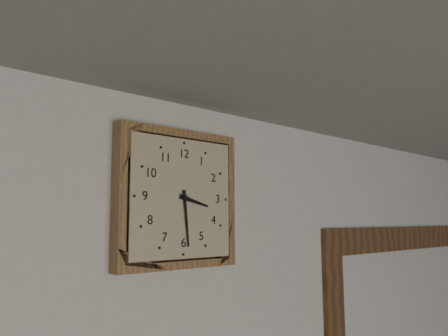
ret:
3:29
